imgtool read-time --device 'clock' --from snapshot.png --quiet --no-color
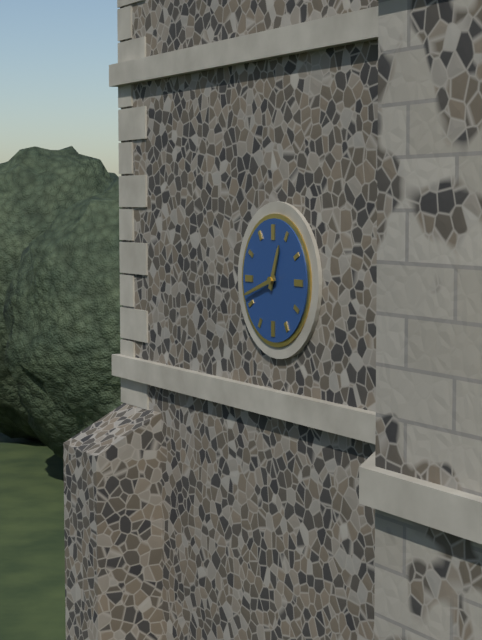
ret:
12:42
